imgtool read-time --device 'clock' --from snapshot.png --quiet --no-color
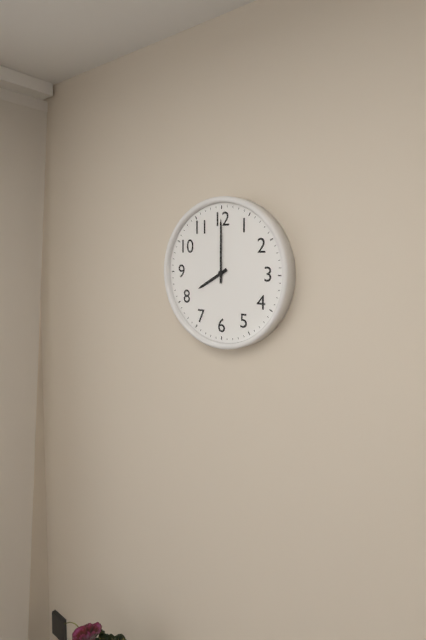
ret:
8:00
